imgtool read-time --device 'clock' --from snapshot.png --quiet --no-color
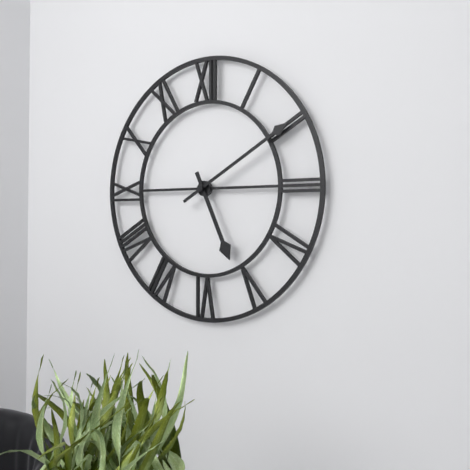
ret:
5:10
